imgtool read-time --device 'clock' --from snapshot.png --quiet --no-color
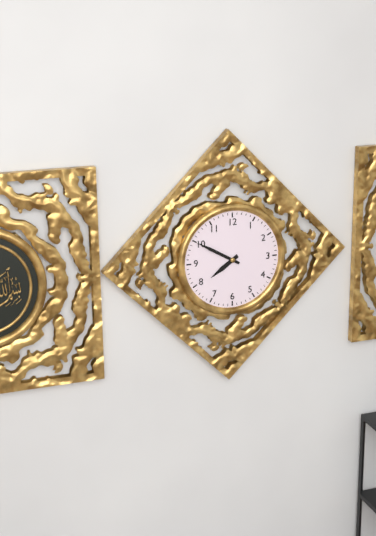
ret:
7:50
